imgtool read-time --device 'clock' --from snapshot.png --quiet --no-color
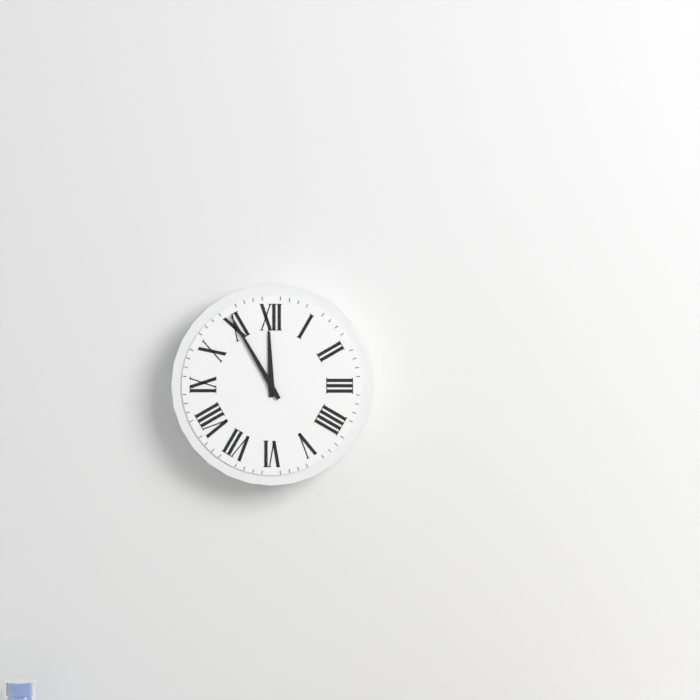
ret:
11:55
